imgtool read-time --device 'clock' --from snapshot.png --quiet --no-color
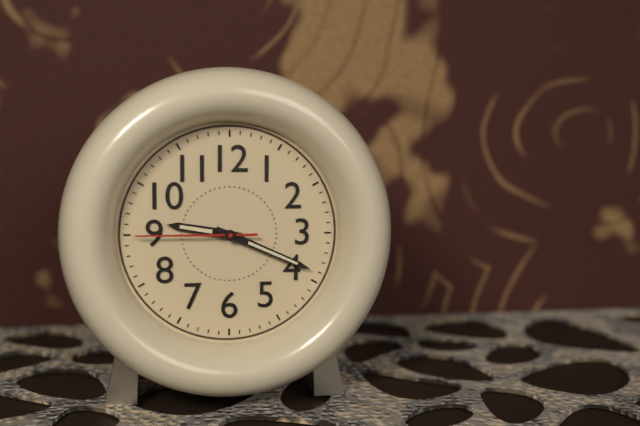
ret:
9:19:45
